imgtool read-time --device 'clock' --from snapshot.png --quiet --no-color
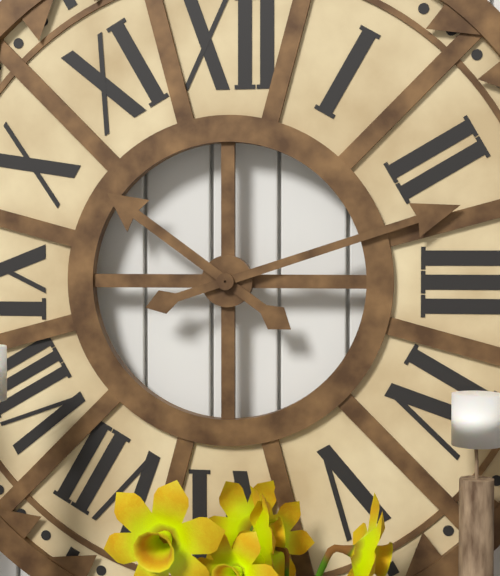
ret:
10:12
